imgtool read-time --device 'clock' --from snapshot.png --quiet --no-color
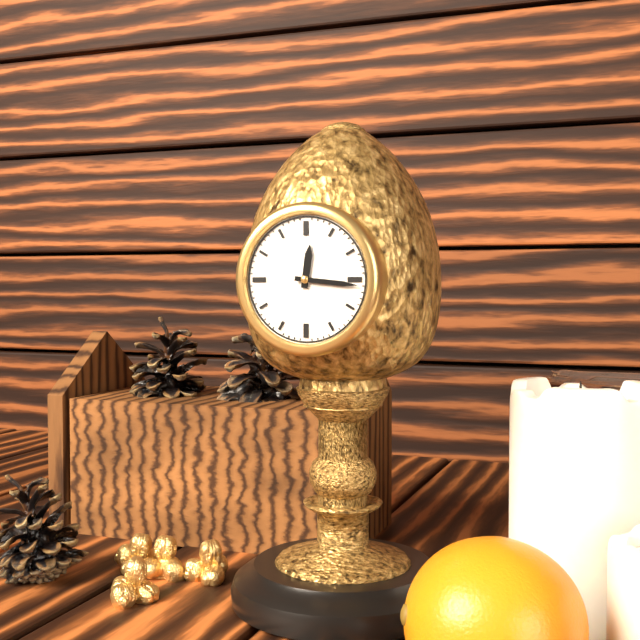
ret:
12:16
